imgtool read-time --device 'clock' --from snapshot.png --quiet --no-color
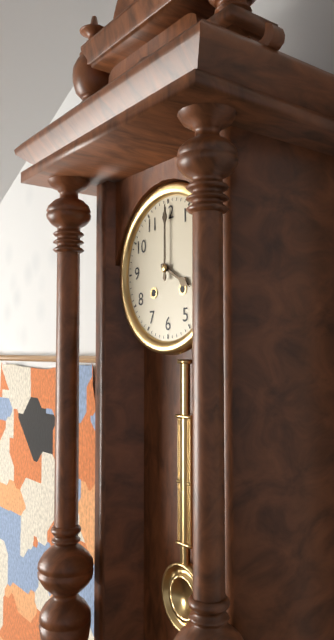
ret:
4:00
